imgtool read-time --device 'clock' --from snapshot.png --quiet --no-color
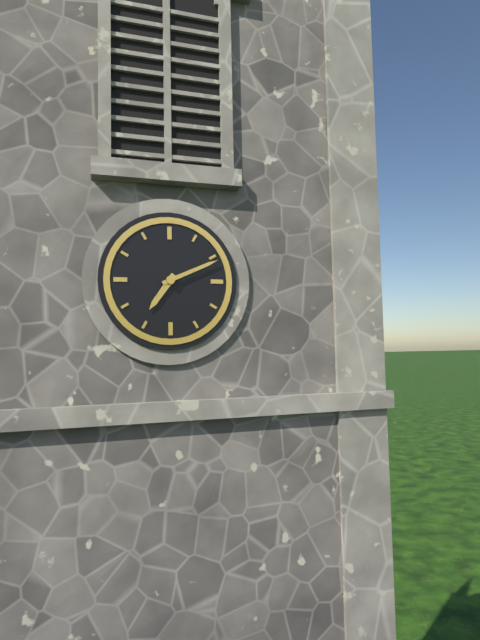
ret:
7:11
